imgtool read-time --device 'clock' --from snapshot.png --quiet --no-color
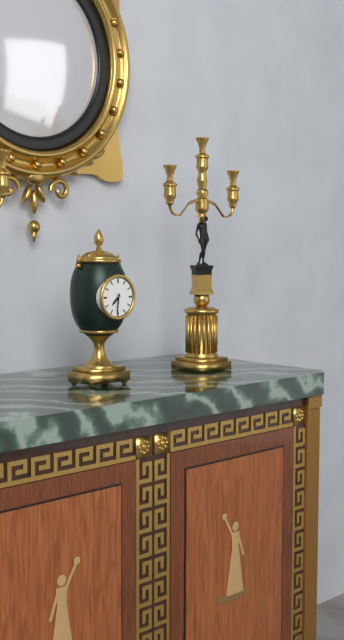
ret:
7:31
